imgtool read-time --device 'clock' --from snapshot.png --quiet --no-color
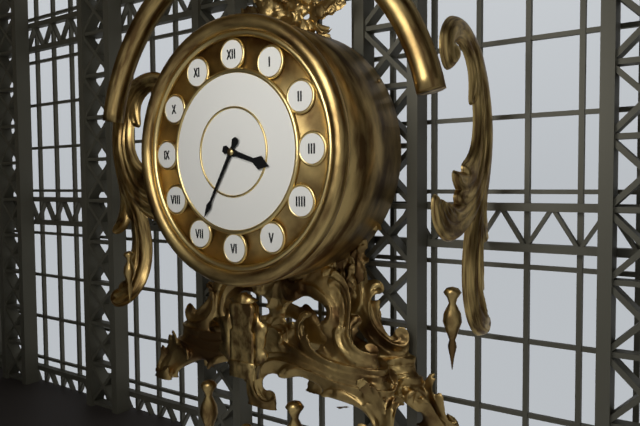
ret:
3:35
